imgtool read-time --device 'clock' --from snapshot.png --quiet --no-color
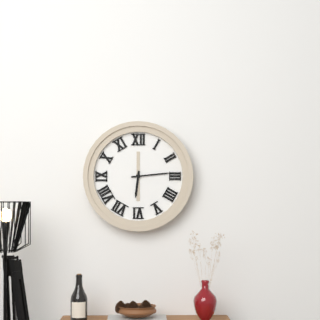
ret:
6:14
